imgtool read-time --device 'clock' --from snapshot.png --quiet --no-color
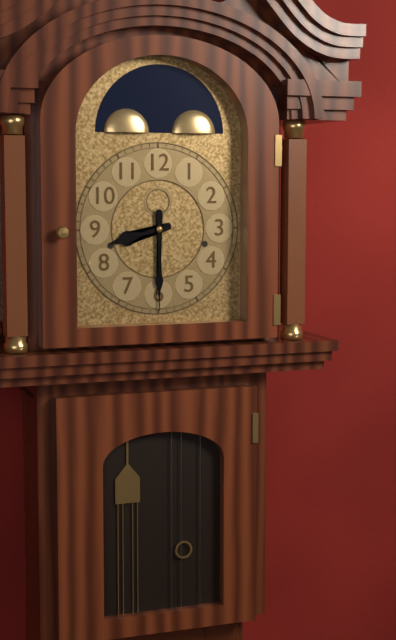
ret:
8:30
